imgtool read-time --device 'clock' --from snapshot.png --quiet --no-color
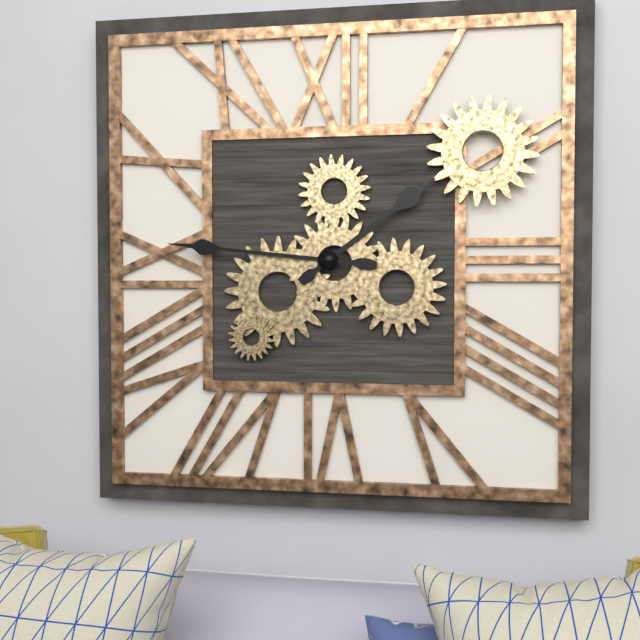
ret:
1:46
